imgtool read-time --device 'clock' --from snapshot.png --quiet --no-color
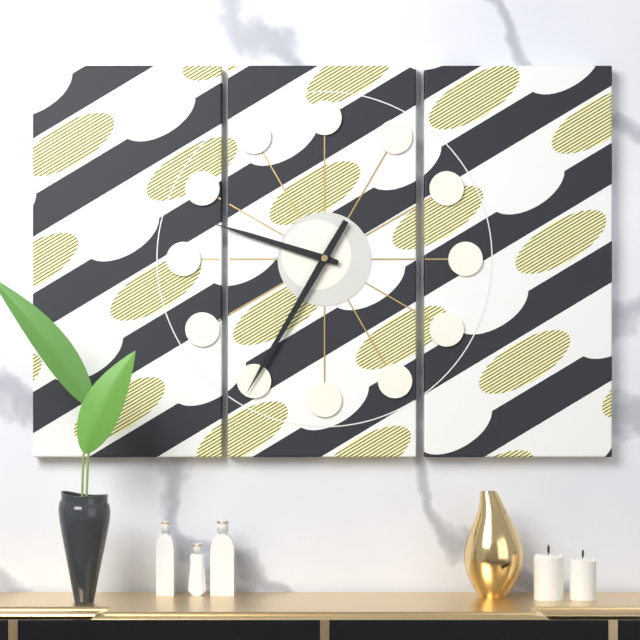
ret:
9:35
